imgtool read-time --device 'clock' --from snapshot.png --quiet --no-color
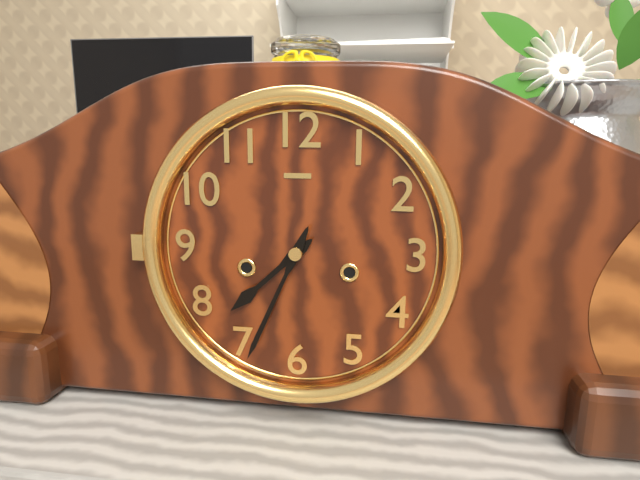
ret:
7:34
